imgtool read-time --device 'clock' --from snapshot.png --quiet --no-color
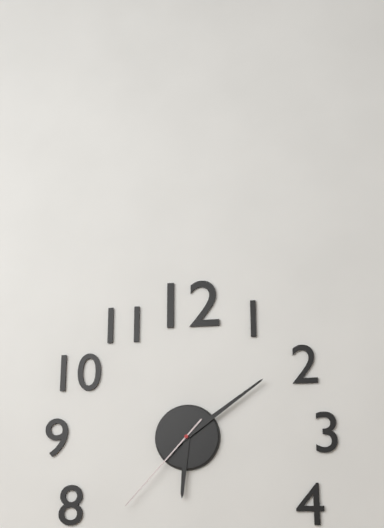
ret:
6:09:37
